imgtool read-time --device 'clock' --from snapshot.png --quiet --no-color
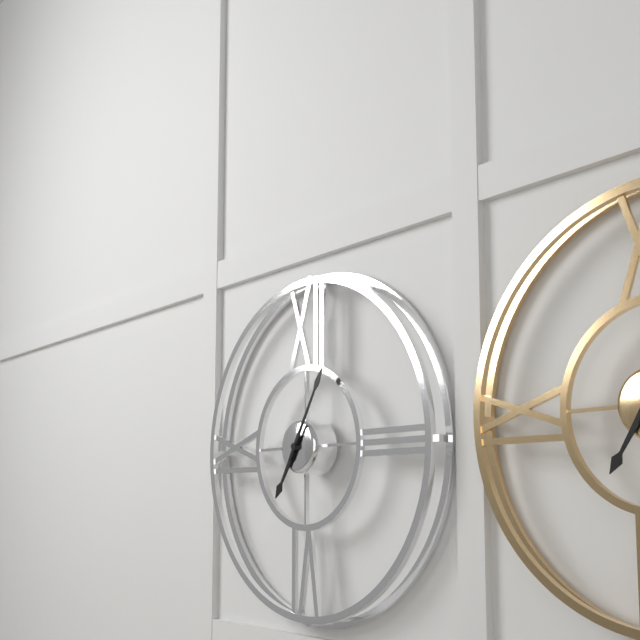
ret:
7:05
